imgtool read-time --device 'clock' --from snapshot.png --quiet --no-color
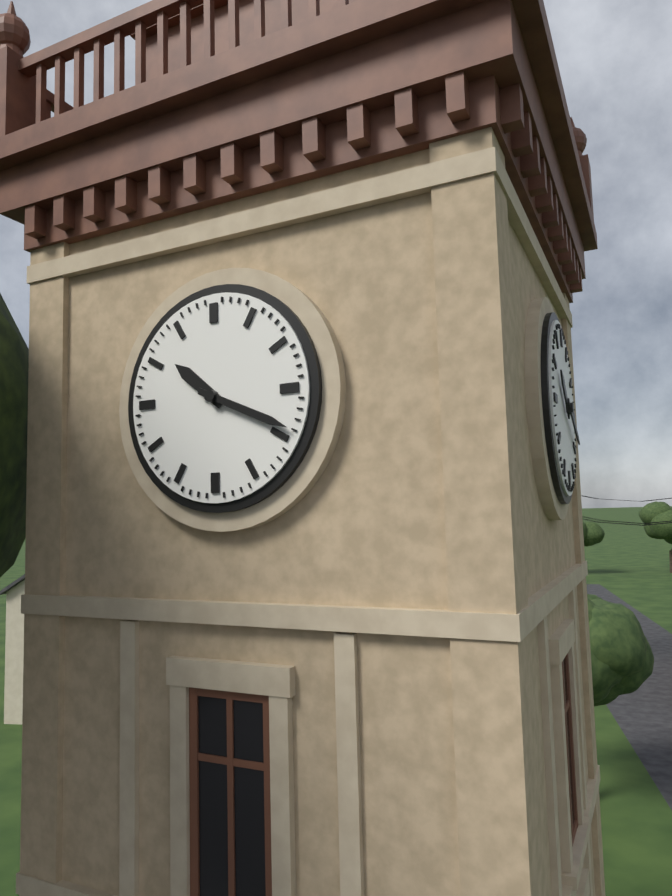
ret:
10:19
